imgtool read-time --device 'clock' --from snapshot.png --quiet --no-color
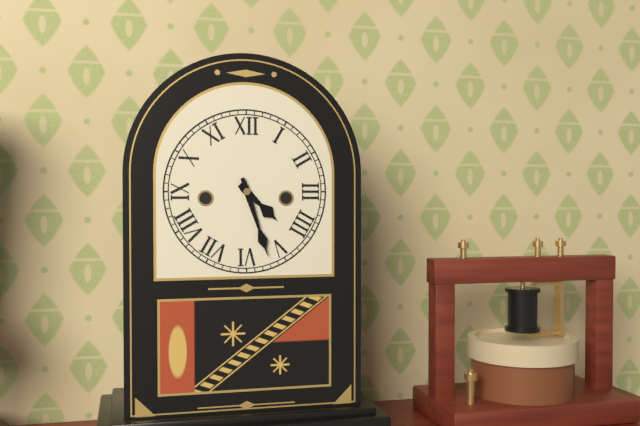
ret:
4:27
